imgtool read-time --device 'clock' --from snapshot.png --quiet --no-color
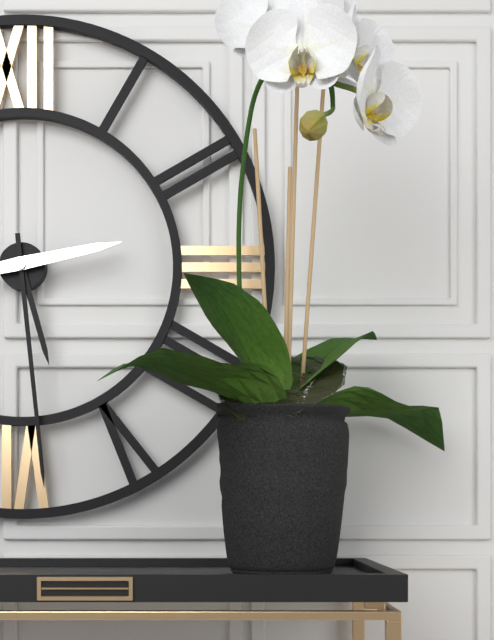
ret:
5:29:13
